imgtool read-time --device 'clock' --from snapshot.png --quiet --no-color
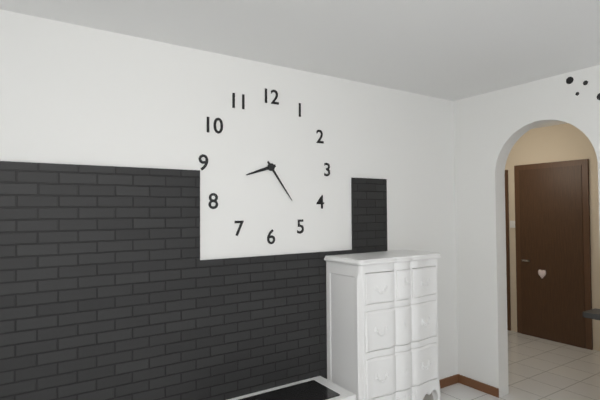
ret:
8:24
